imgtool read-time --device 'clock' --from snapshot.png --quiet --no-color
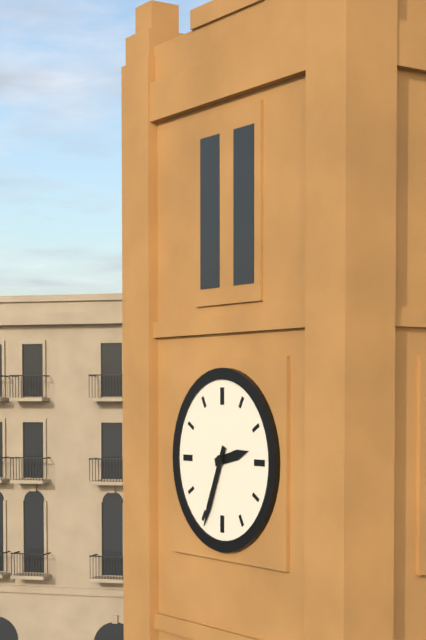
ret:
2:34
